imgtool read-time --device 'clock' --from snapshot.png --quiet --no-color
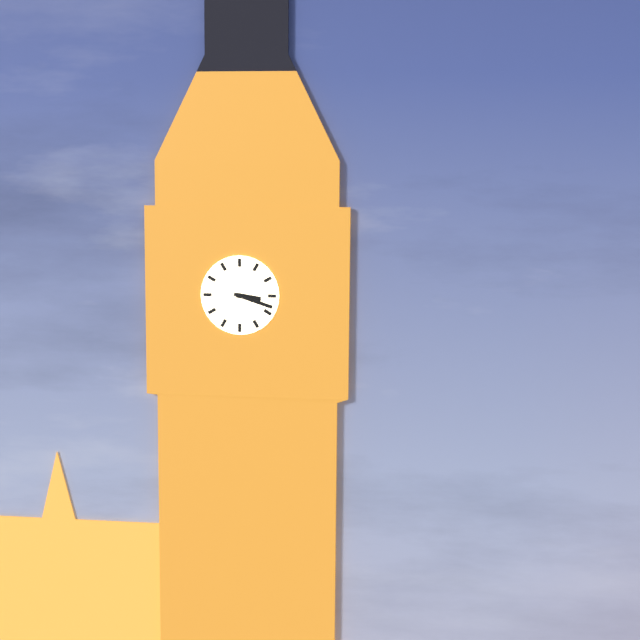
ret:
3:18
